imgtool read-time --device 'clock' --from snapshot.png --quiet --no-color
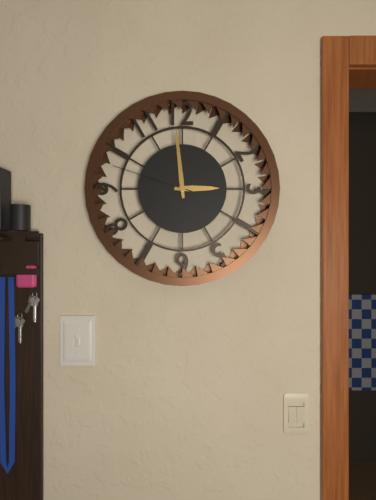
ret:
2:59:48
